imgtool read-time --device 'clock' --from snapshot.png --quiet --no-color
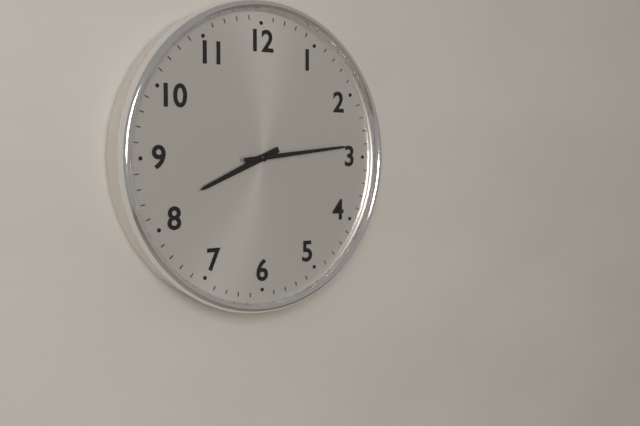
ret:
8:14
